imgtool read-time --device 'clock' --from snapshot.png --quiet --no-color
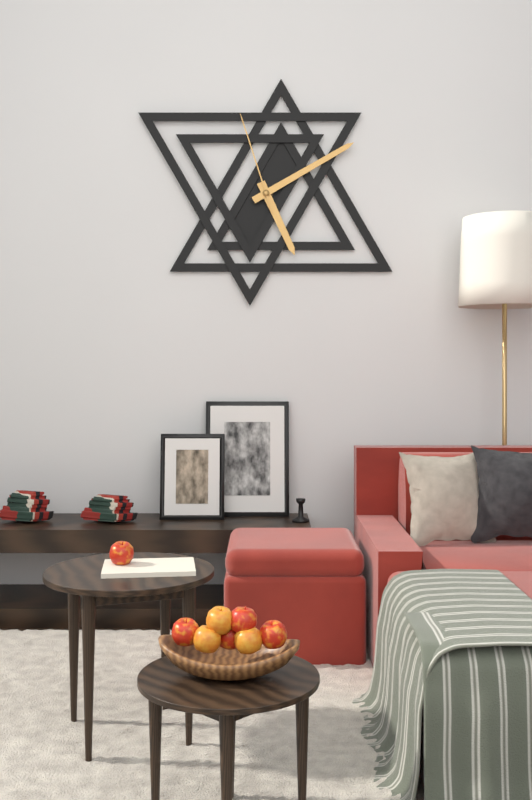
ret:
5:10:57
